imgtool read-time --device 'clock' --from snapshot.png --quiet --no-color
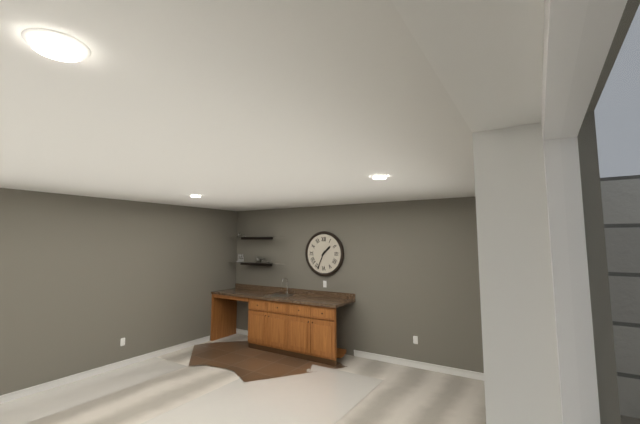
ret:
1:34
